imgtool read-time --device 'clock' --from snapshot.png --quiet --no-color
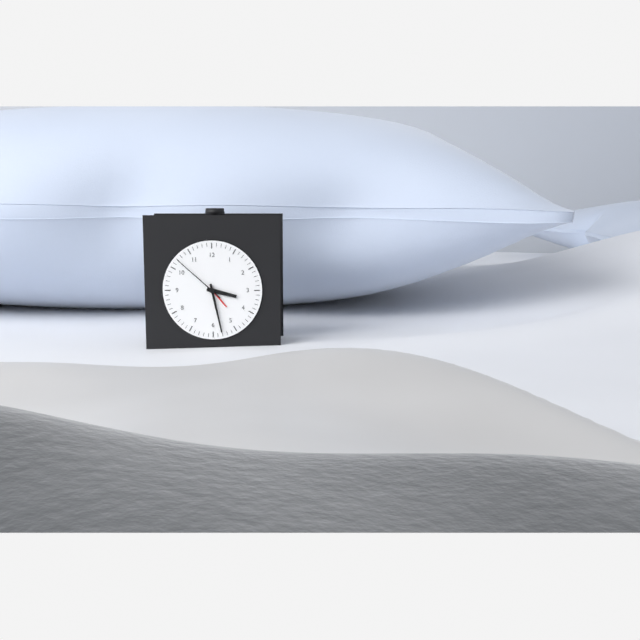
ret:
3:28:52
